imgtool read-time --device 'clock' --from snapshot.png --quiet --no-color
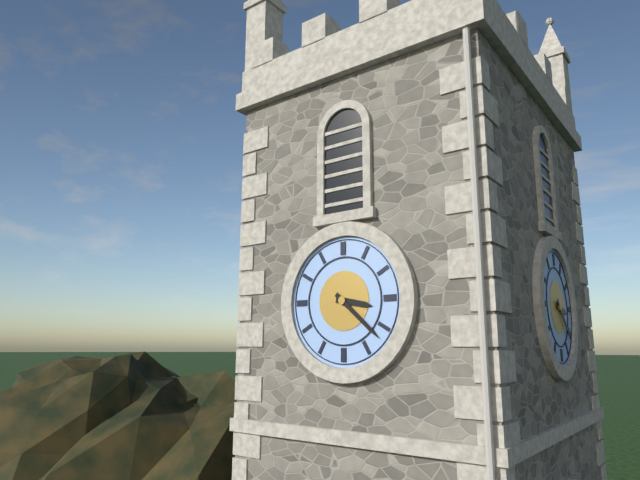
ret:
3:22
